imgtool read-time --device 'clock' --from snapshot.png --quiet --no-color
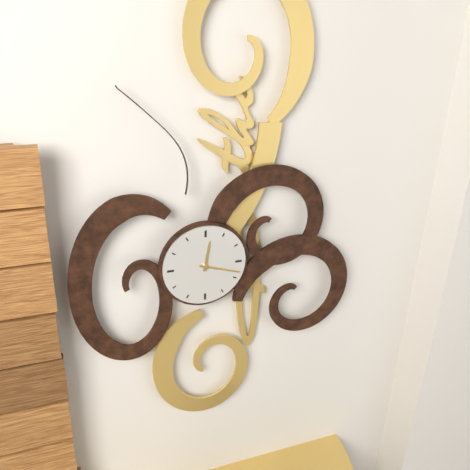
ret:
12:18
